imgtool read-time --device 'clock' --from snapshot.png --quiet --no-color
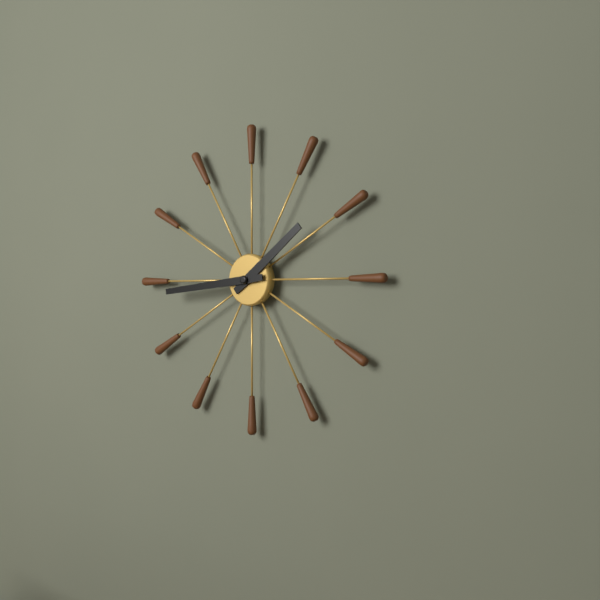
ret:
1:44
